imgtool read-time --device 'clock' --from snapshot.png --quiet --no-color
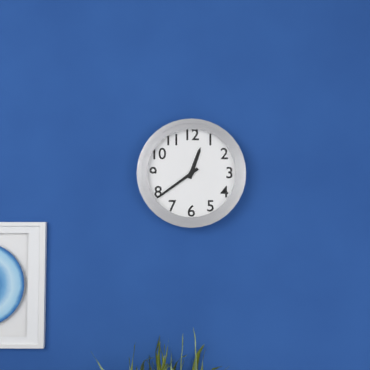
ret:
12:39
